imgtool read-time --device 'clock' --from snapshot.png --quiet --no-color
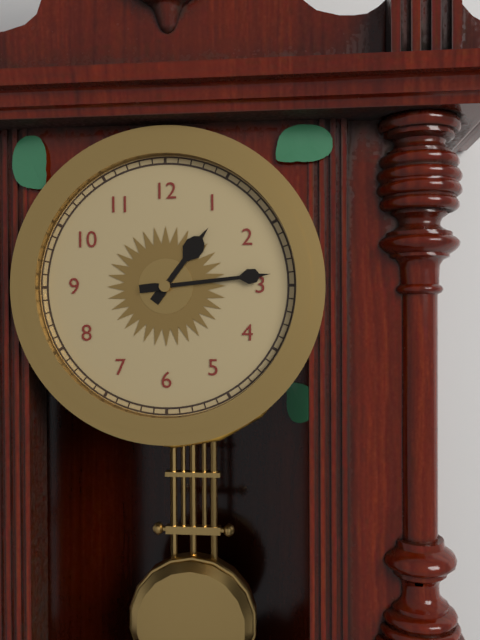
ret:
1:14
